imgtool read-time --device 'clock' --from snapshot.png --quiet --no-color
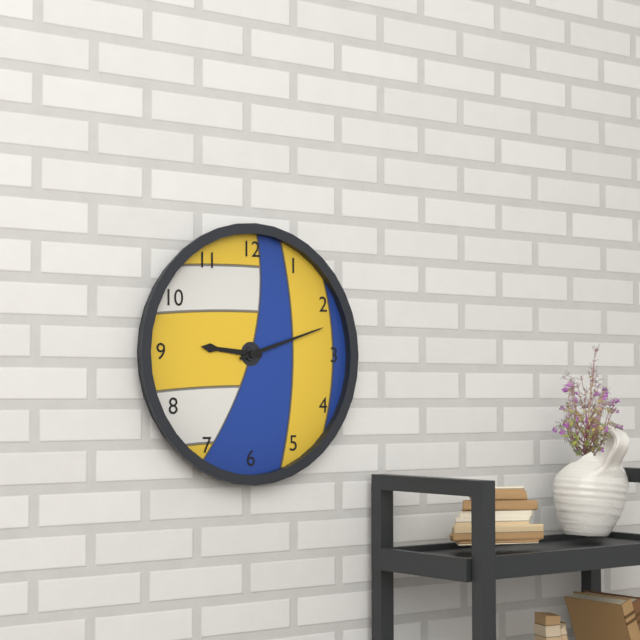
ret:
9:12
